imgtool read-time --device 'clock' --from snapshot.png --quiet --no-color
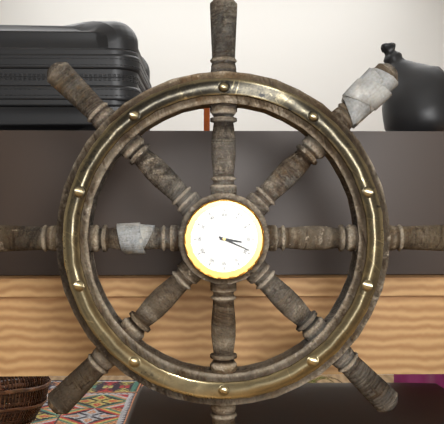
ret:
3:19
